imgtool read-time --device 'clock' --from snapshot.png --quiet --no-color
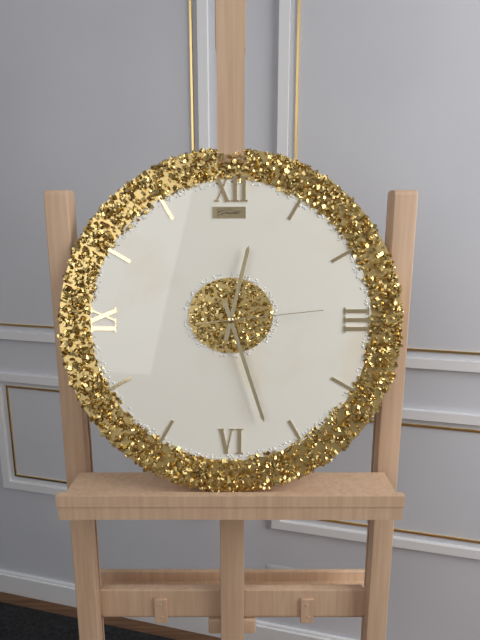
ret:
12:27:14
